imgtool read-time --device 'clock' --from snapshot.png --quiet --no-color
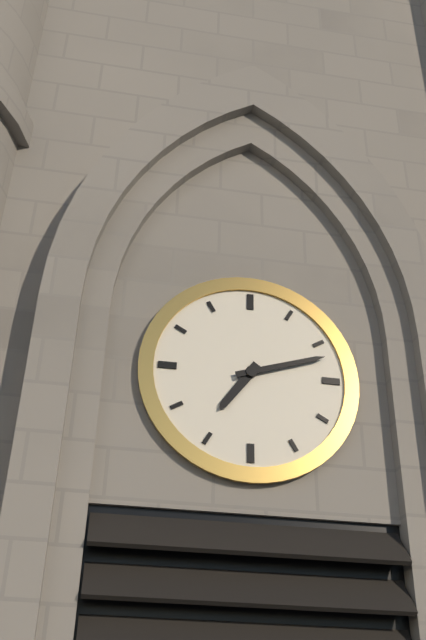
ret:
7:12
